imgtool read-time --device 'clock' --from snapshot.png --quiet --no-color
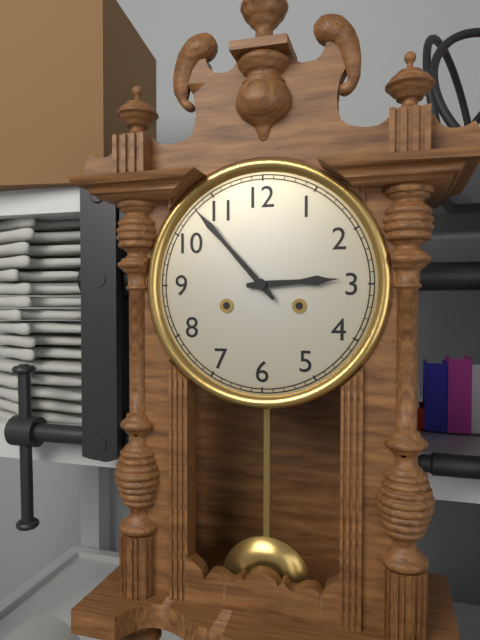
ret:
2:53
